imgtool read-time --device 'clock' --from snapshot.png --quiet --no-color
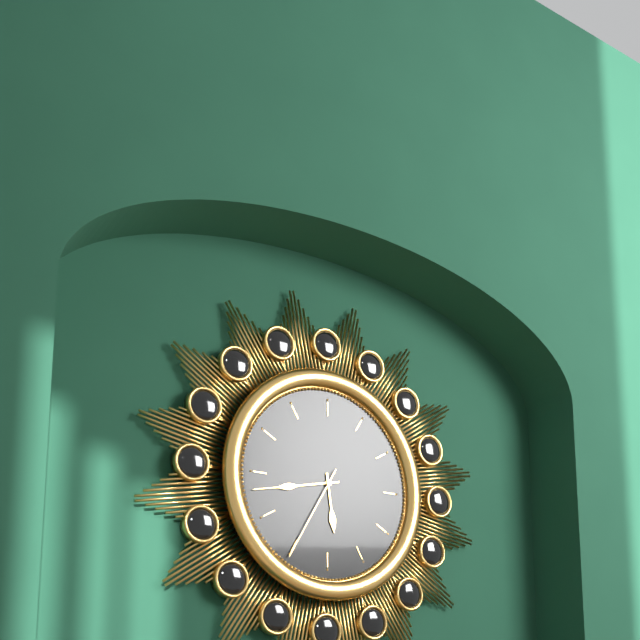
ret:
5:43:35
